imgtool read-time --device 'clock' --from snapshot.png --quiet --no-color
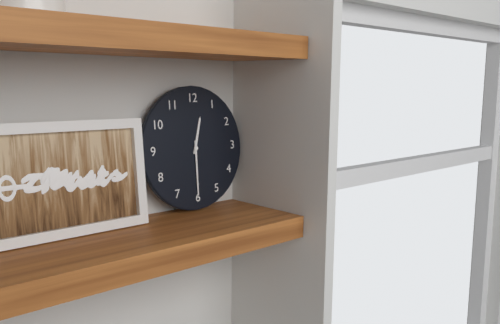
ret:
12:30
